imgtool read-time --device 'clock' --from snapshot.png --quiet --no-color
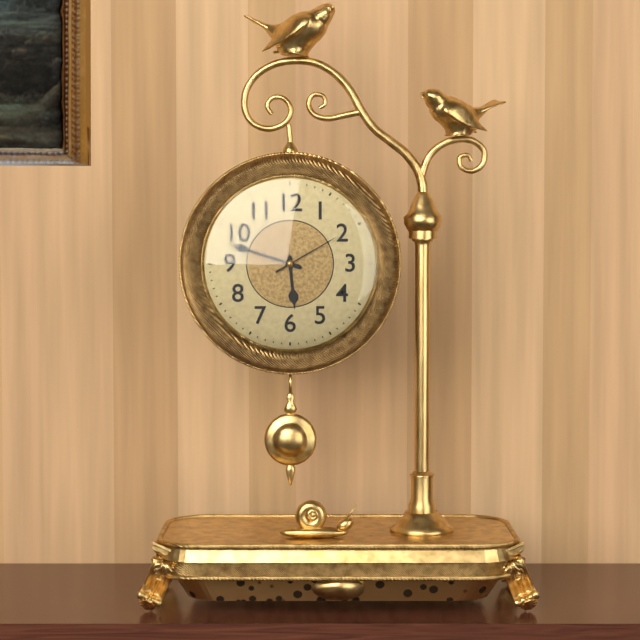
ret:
5:48:10
